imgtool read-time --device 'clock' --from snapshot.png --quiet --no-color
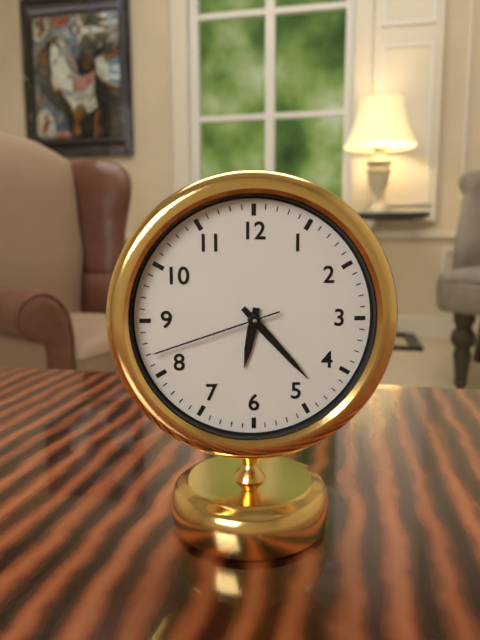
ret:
6:23:42
